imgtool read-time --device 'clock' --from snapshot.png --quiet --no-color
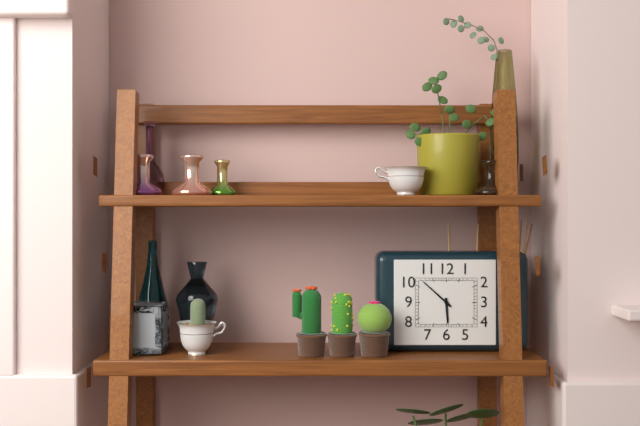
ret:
5:52
